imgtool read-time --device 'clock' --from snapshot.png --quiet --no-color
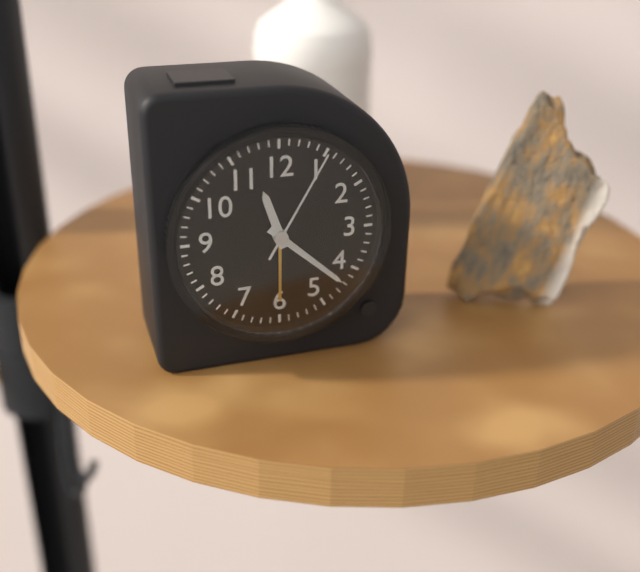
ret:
11:22:05
